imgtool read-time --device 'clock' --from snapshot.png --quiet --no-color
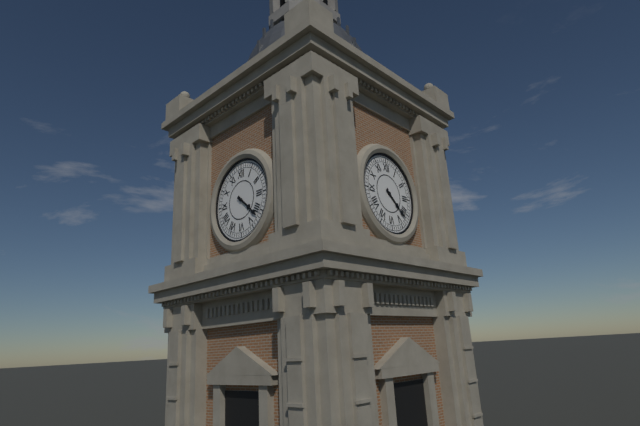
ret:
4:22
